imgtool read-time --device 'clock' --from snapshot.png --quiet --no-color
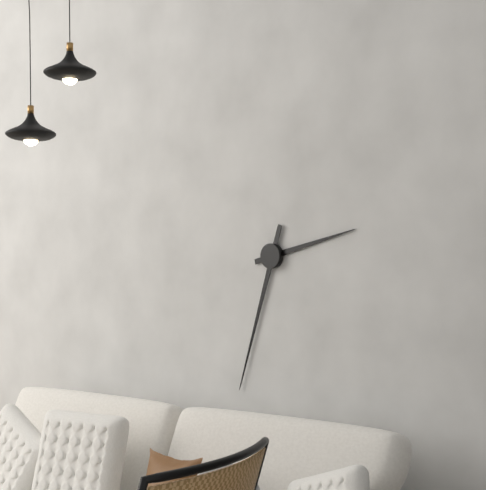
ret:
2:33
